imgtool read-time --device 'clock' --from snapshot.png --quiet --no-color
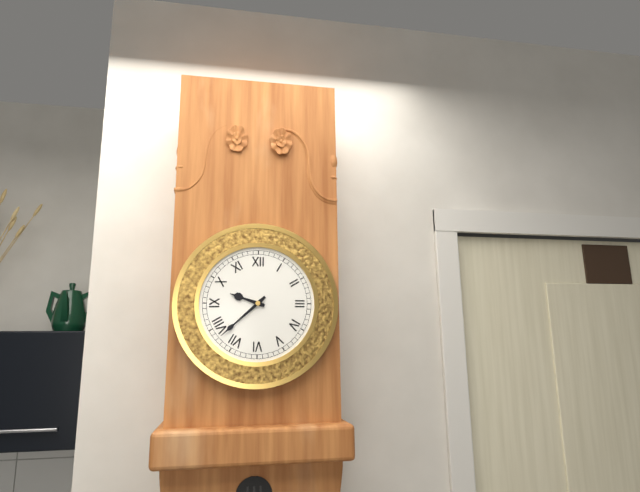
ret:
9:38
